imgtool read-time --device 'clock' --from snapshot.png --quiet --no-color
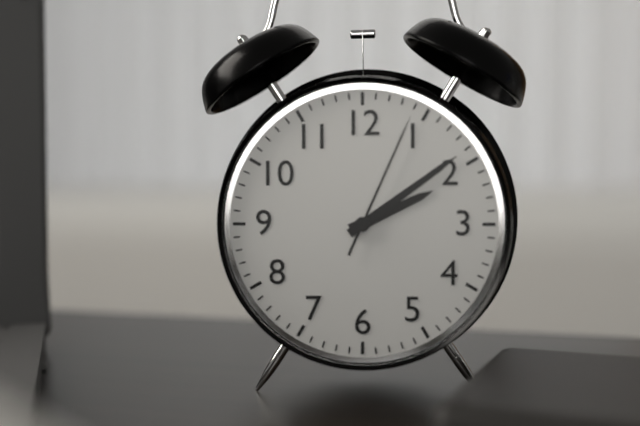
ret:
2:09:04
